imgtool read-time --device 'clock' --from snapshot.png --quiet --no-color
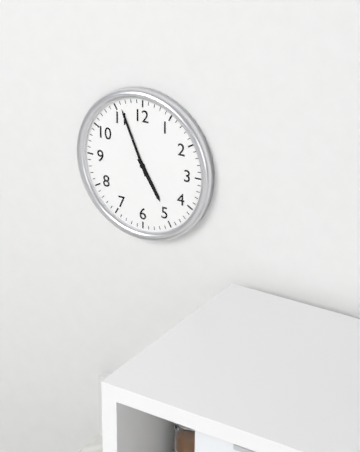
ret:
4:56
